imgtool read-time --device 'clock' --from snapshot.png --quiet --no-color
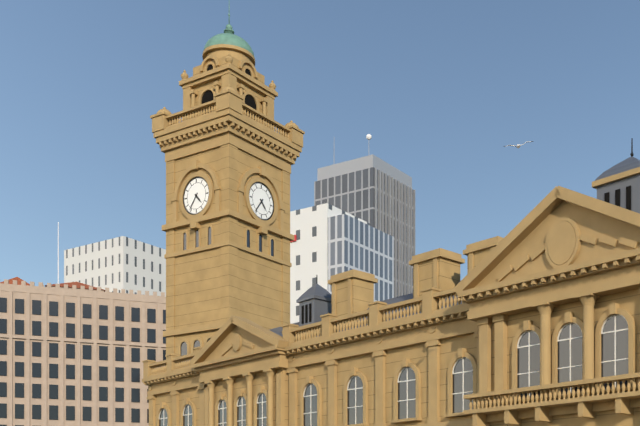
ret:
4:36
